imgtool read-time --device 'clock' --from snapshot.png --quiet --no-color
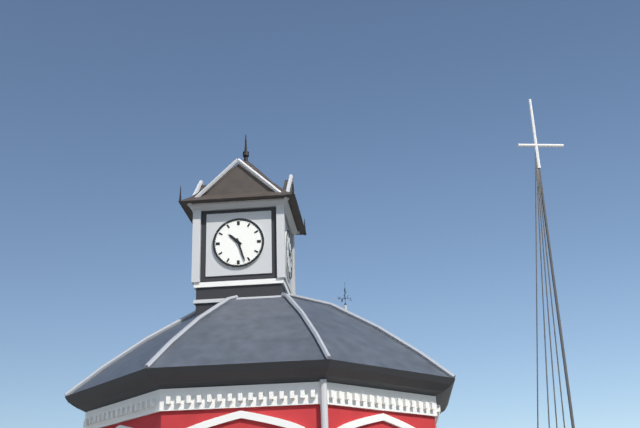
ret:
10:27
